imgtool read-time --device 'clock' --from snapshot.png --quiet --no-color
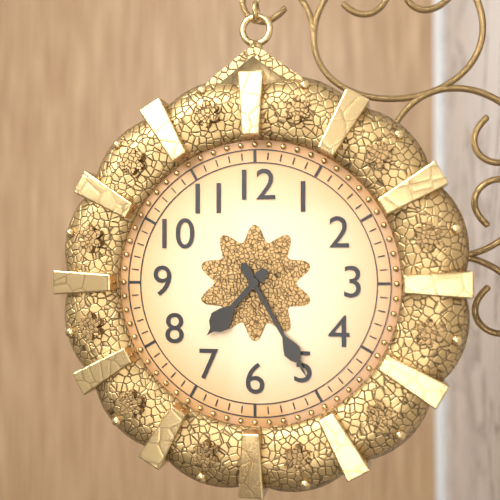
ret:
7:25
